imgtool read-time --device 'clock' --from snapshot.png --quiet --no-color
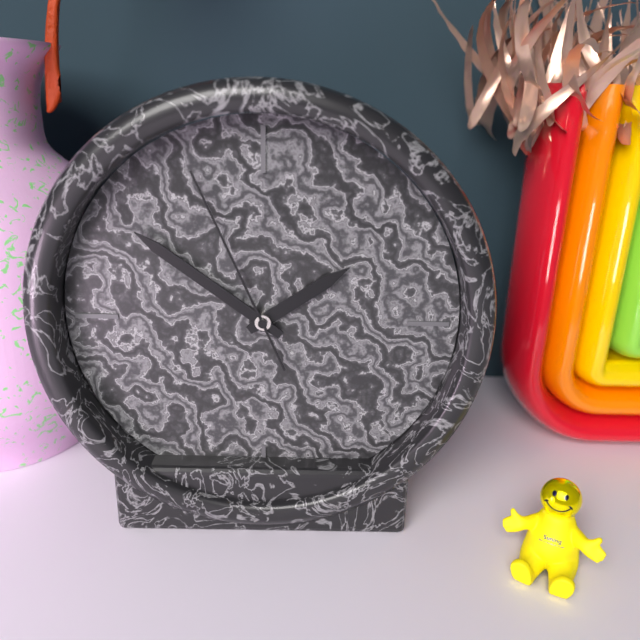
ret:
1:51:56
